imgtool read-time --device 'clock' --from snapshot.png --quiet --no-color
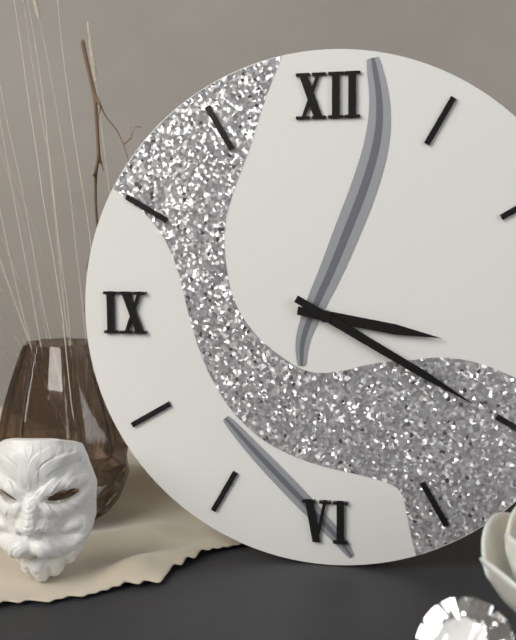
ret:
3:20
